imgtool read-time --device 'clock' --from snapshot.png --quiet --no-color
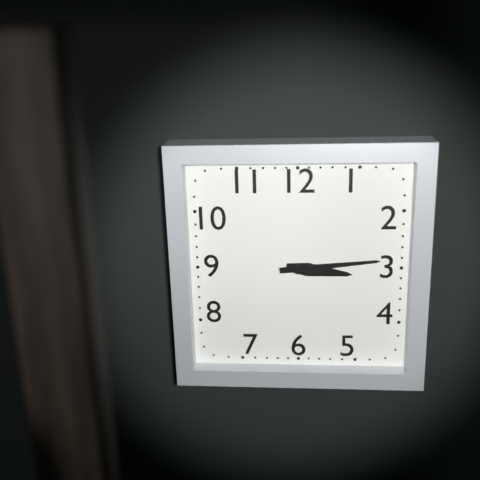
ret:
3:14
